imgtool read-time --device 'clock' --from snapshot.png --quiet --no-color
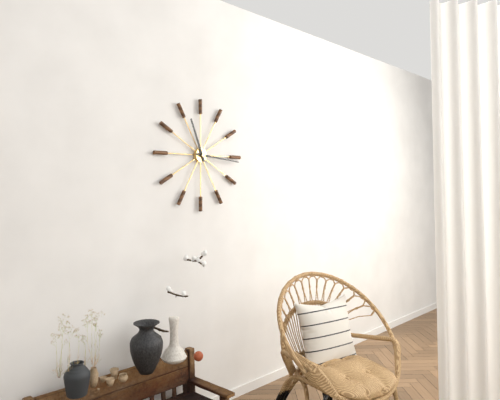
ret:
11:16
